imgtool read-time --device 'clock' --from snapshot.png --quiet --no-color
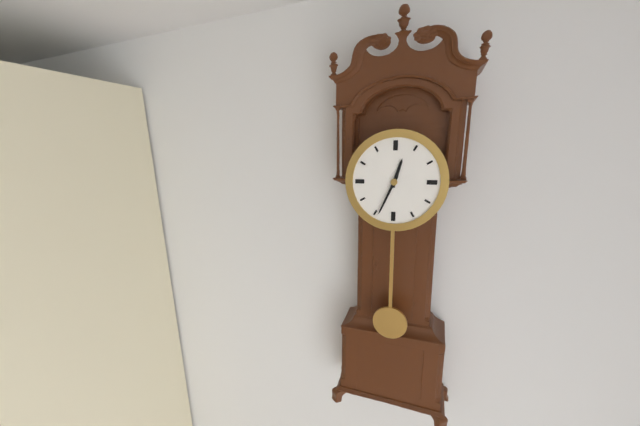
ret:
12:34
